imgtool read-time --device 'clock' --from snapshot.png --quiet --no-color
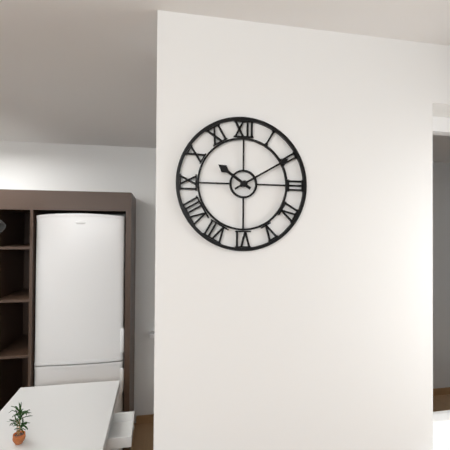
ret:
10:10
